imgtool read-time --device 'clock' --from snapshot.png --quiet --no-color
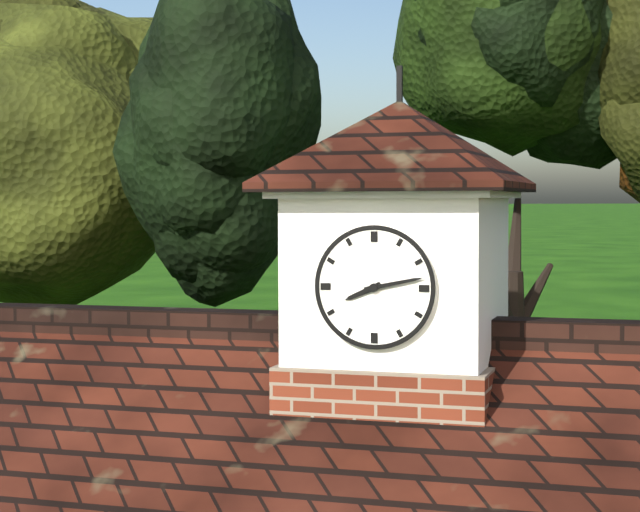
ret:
8:13
